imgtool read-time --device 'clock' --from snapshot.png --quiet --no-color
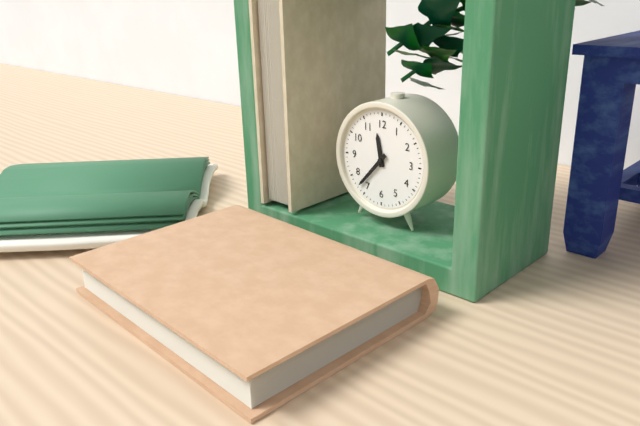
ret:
11:37
